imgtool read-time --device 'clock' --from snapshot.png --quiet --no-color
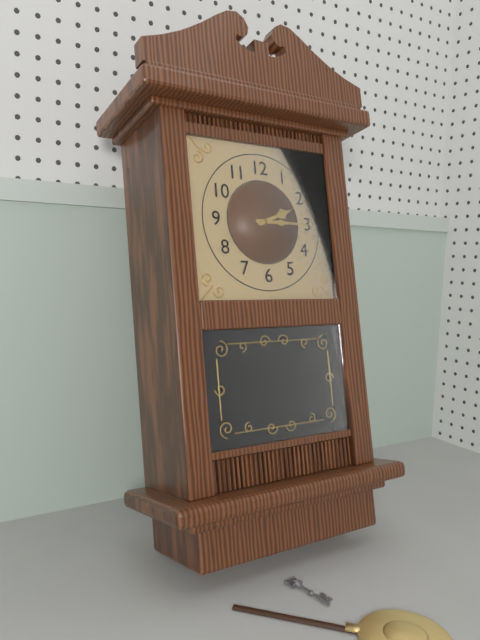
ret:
2:15
